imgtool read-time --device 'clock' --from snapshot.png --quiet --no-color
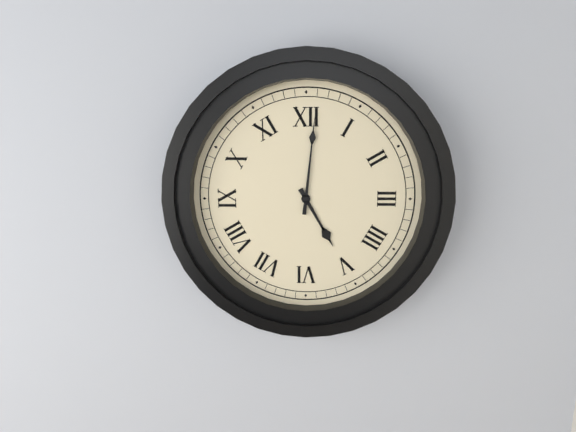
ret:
5:01
